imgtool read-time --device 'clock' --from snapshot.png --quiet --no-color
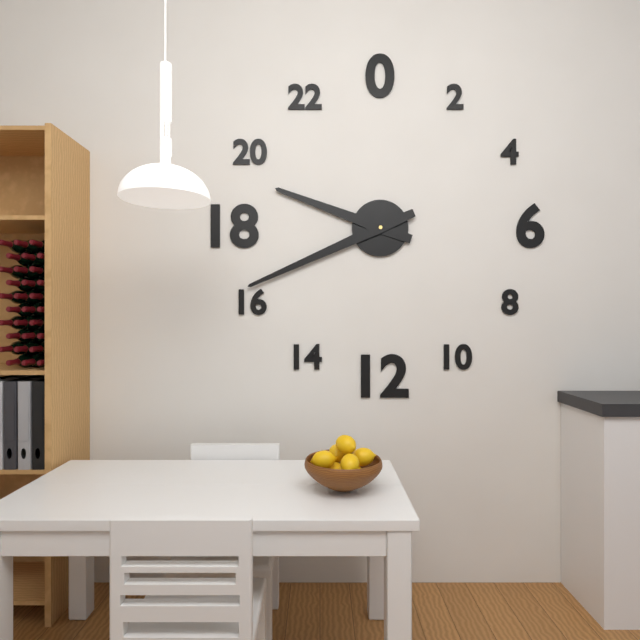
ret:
9:41
